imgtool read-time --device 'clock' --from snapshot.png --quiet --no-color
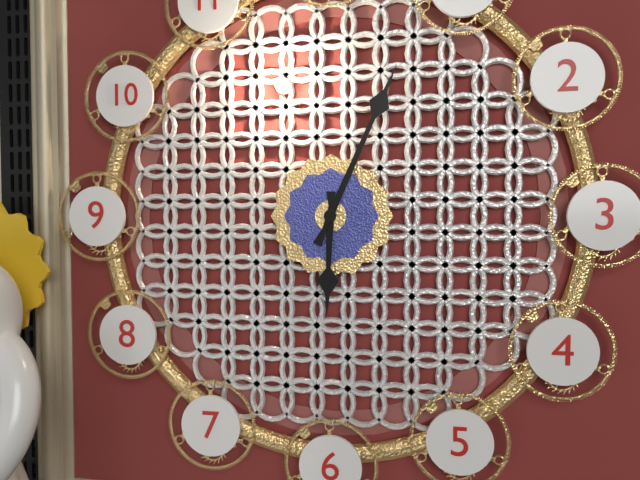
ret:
6:04
